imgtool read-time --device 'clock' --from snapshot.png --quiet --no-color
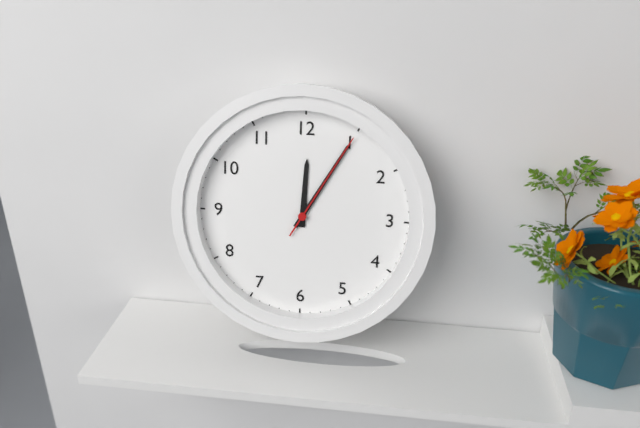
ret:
12:05:05
